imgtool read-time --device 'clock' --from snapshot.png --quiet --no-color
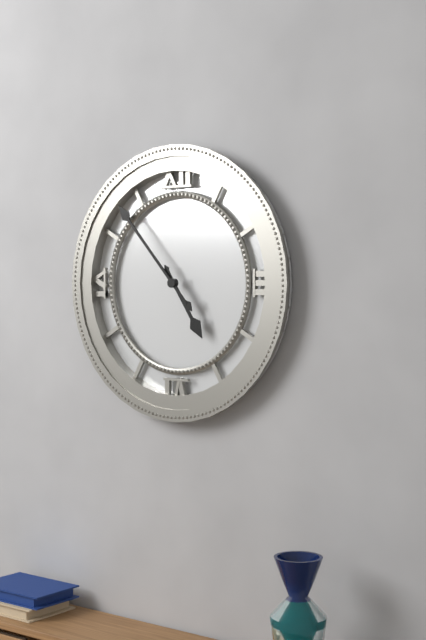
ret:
4:53
